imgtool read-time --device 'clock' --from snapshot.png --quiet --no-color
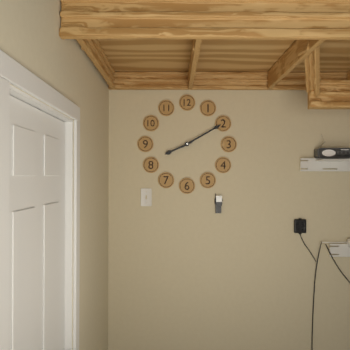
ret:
8:10
